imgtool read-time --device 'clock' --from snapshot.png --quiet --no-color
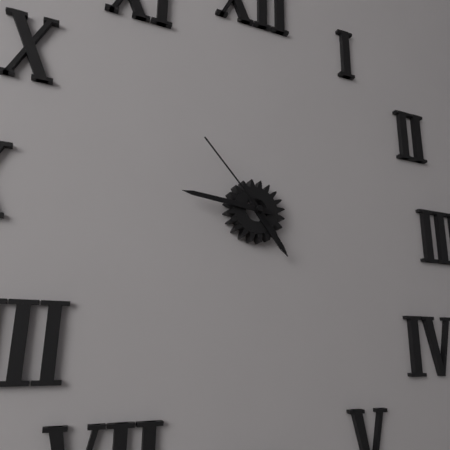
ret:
4:46:53
